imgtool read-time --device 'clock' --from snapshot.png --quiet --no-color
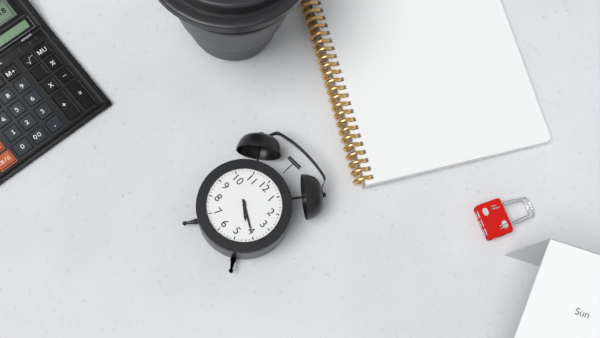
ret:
4:20
